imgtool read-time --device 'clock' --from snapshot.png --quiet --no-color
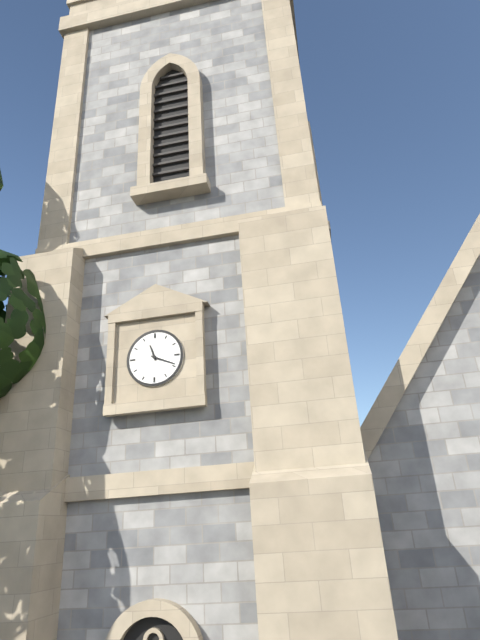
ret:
11:19
